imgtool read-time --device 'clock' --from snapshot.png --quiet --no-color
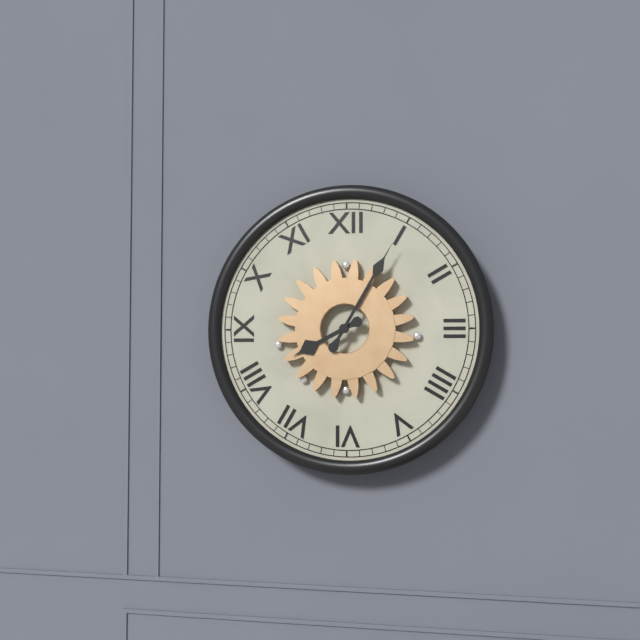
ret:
8:05
